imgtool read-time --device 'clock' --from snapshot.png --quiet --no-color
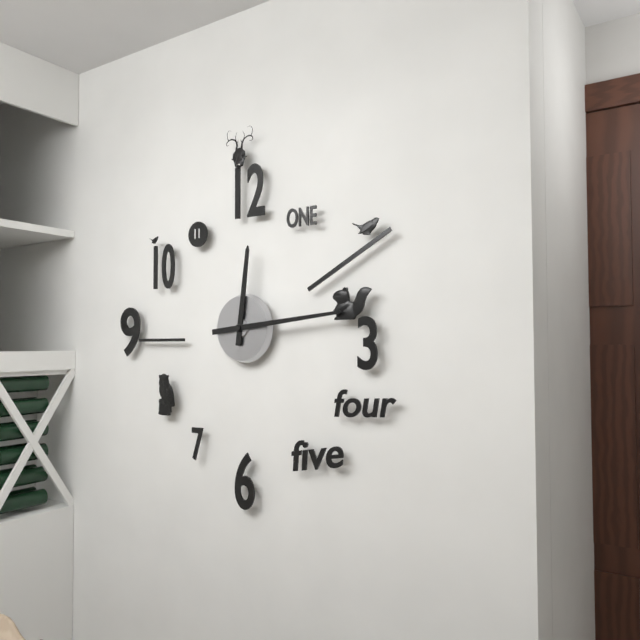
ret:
12:14
